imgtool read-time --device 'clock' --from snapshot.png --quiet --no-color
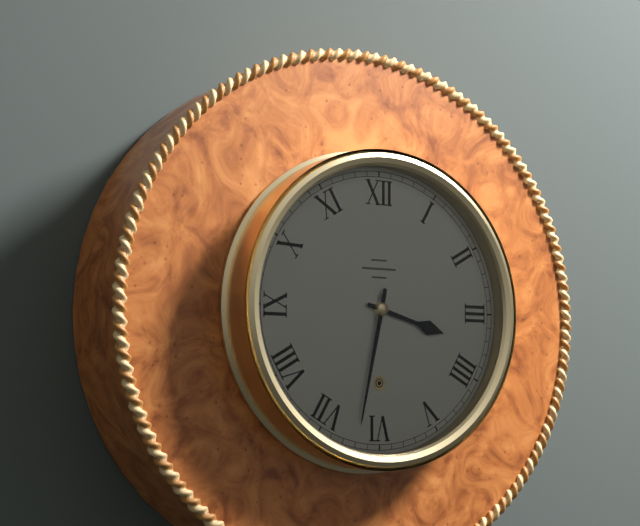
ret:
3:32
